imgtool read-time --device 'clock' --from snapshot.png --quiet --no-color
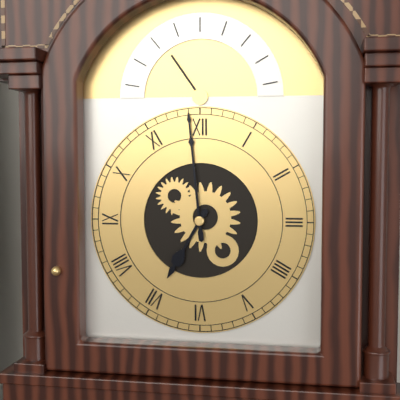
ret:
6:59
